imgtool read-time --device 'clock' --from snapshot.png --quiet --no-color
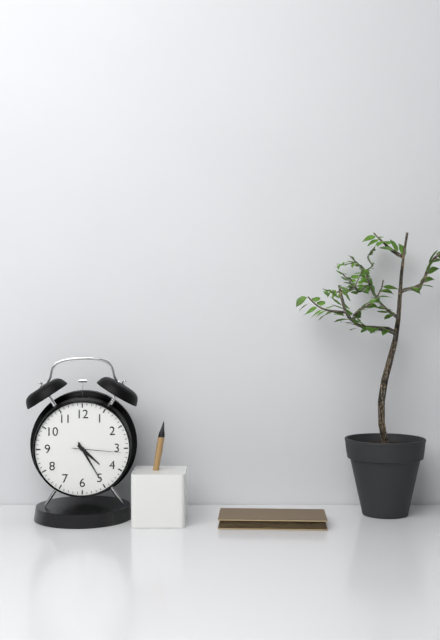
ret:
4:25
